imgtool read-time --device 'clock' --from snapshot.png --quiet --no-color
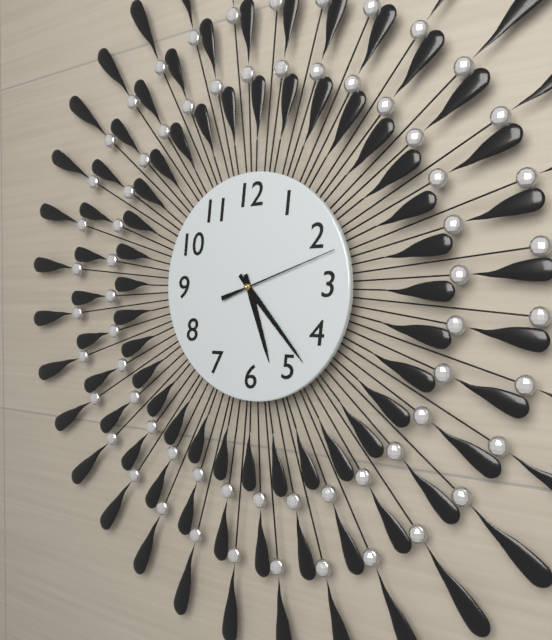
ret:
5:23:12
